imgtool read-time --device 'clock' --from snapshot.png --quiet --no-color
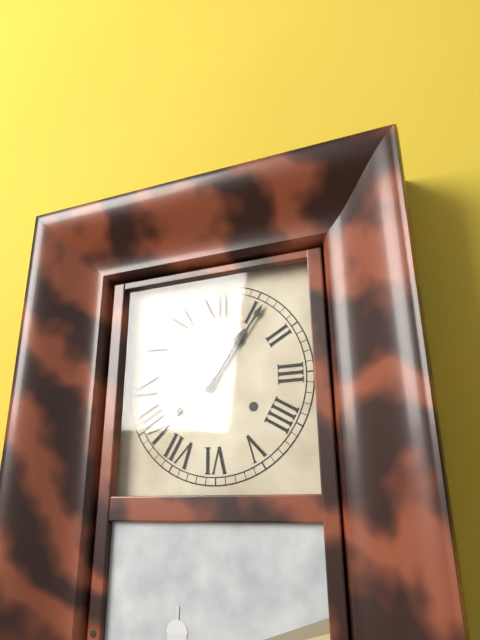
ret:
1:06
